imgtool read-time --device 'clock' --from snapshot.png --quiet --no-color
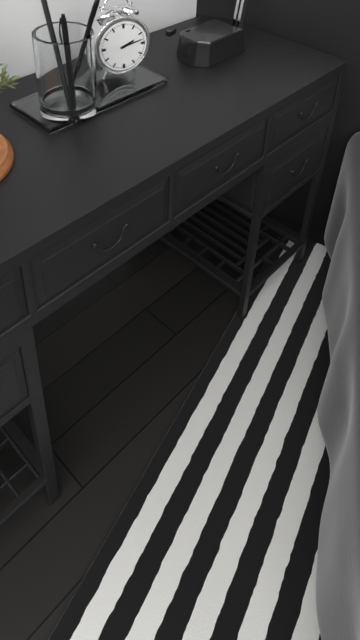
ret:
2:13
